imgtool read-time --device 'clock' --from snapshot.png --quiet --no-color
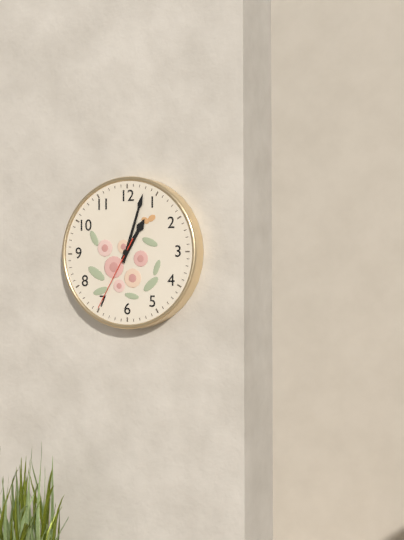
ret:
1:03:35
